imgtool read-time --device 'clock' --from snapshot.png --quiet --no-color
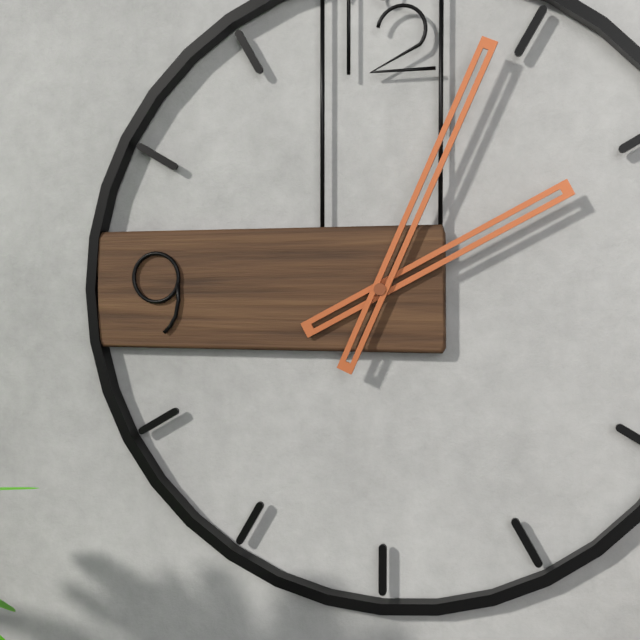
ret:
2:04
